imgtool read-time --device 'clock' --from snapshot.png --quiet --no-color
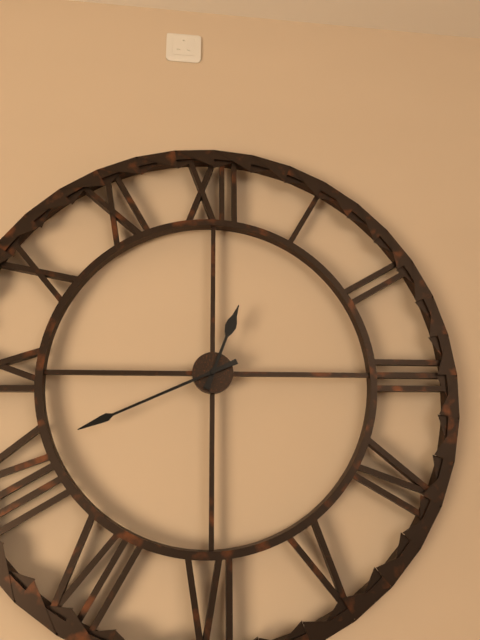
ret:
12:41
